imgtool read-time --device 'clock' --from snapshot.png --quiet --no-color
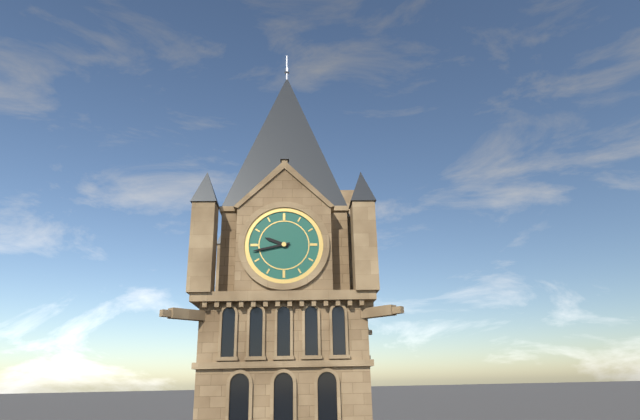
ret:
9:43
